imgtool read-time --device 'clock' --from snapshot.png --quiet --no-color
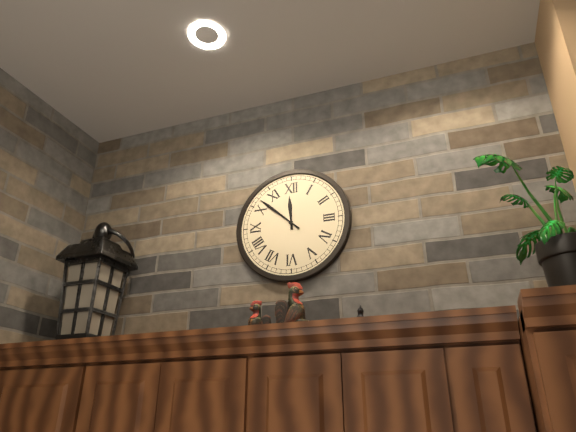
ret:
11:52
